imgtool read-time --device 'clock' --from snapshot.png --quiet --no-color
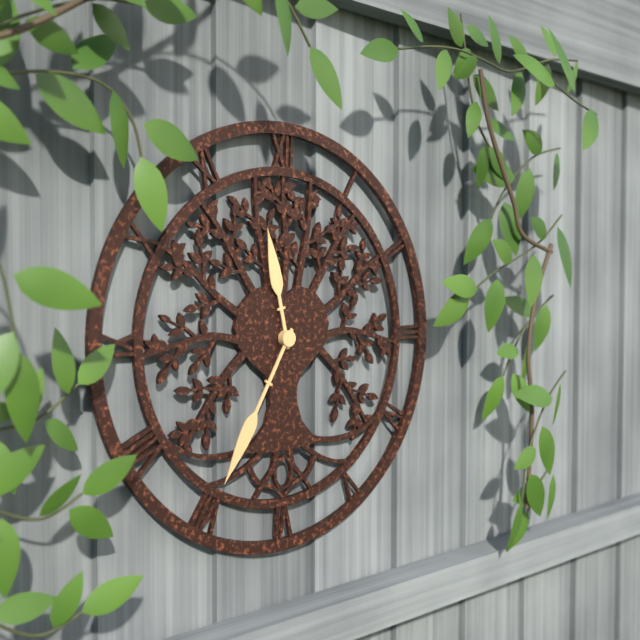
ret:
11:35
